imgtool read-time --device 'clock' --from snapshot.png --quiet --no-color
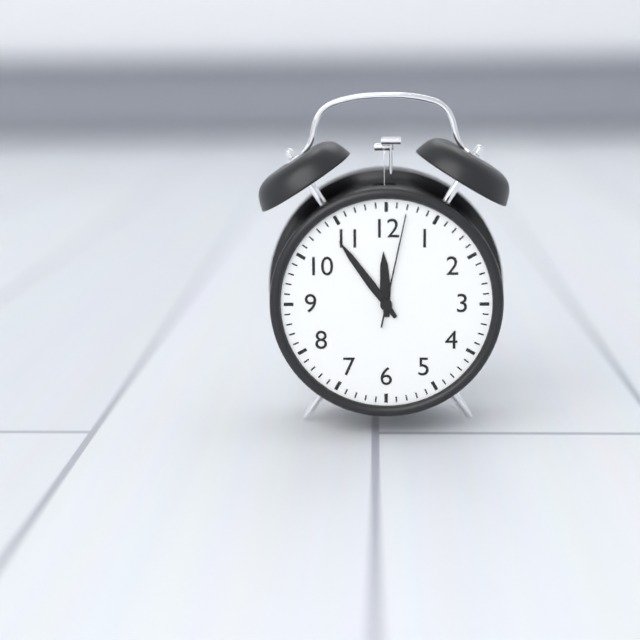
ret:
11:54:02
